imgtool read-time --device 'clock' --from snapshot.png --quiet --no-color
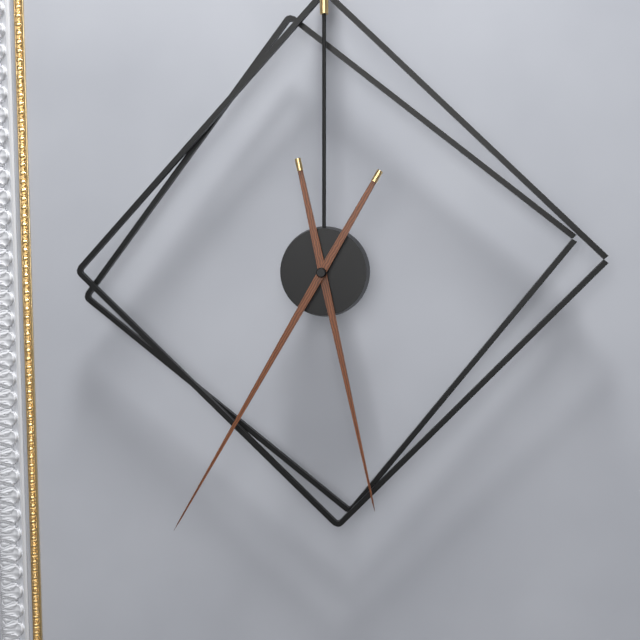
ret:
5:35
